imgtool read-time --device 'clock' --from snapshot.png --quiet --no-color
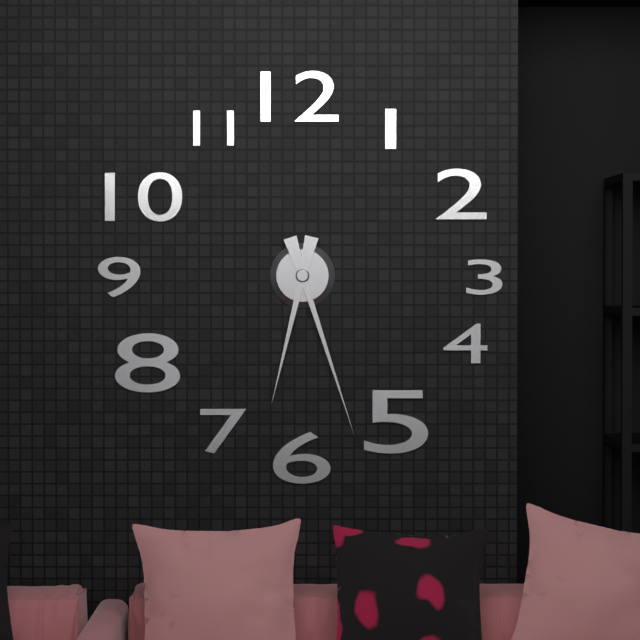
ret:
6:27
